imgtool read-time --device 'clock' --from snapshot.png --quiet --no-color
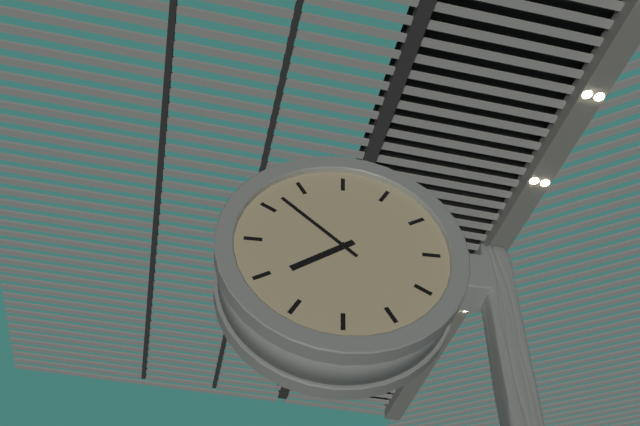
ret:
7:52
